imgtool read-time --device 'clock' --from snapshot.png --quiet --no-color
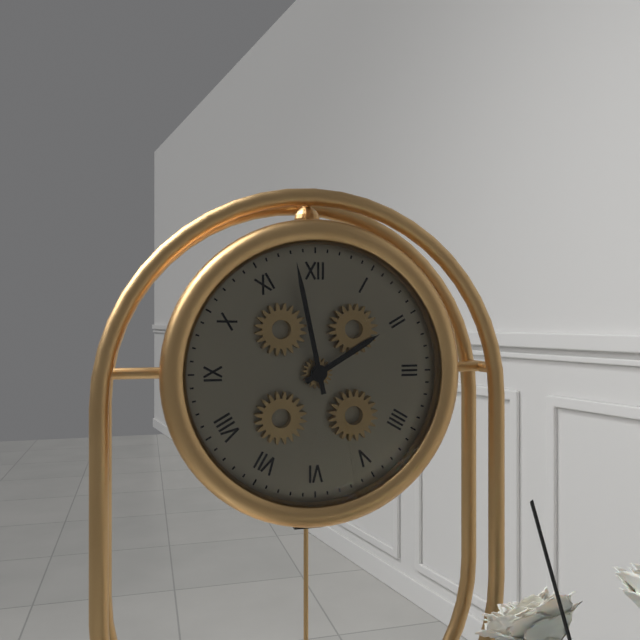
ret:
1:58
